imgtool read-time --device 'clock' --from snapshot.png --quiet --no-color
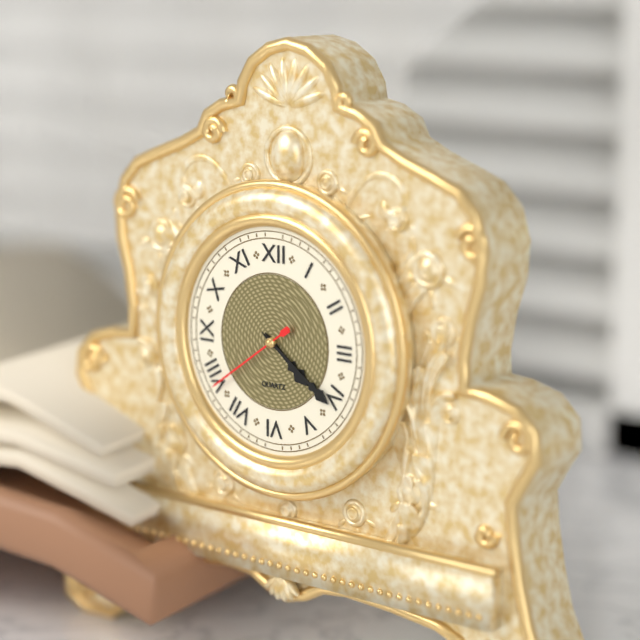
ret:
4:21:39
